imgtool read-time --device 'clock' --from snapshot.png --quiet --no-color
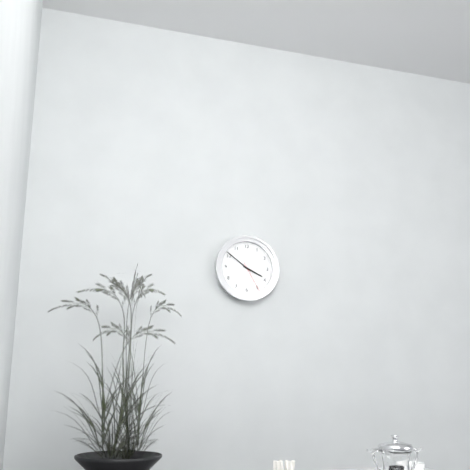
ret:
3:51
